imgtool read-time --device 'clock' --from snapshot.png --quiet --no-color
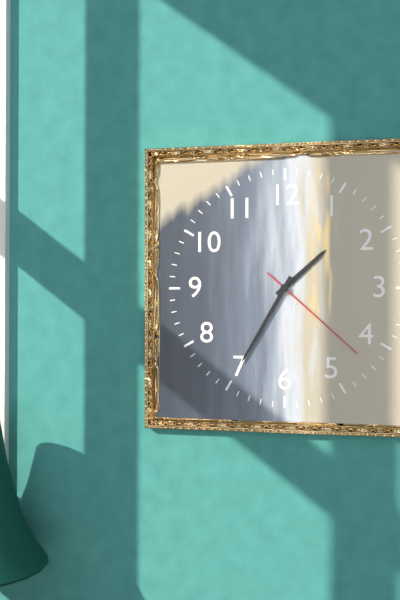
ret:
1:35:22
